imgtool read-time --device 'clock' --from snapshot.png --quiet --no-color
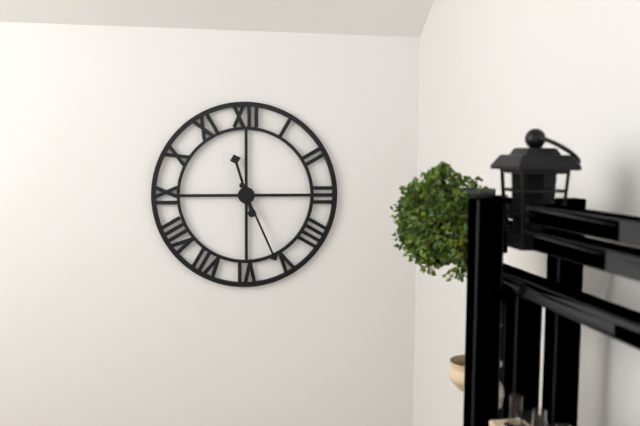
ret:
11:26
